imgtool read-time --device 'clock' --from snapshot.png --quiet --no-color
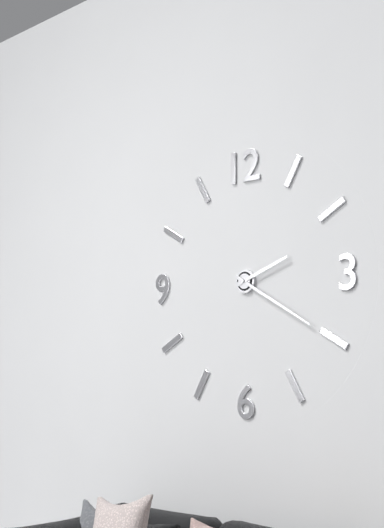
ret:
2:20
